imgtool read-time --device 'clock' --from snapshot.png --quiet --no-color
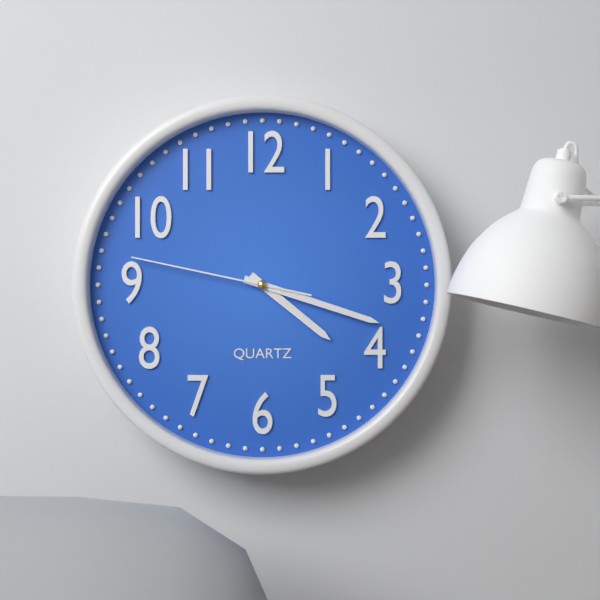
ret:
4:18:47
